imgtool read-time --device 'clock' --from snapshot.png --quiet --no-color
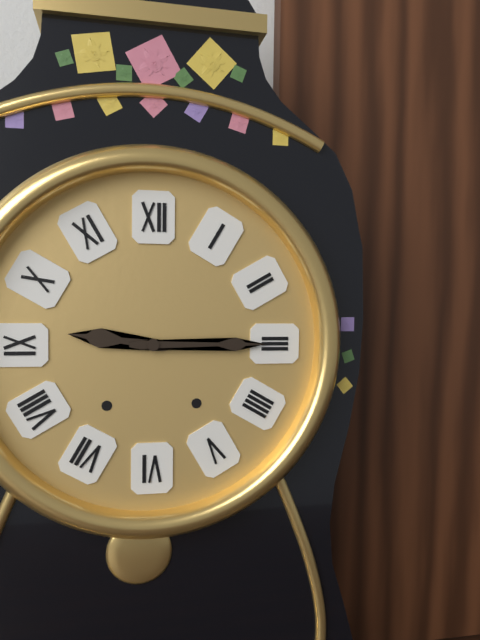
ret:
9:15
